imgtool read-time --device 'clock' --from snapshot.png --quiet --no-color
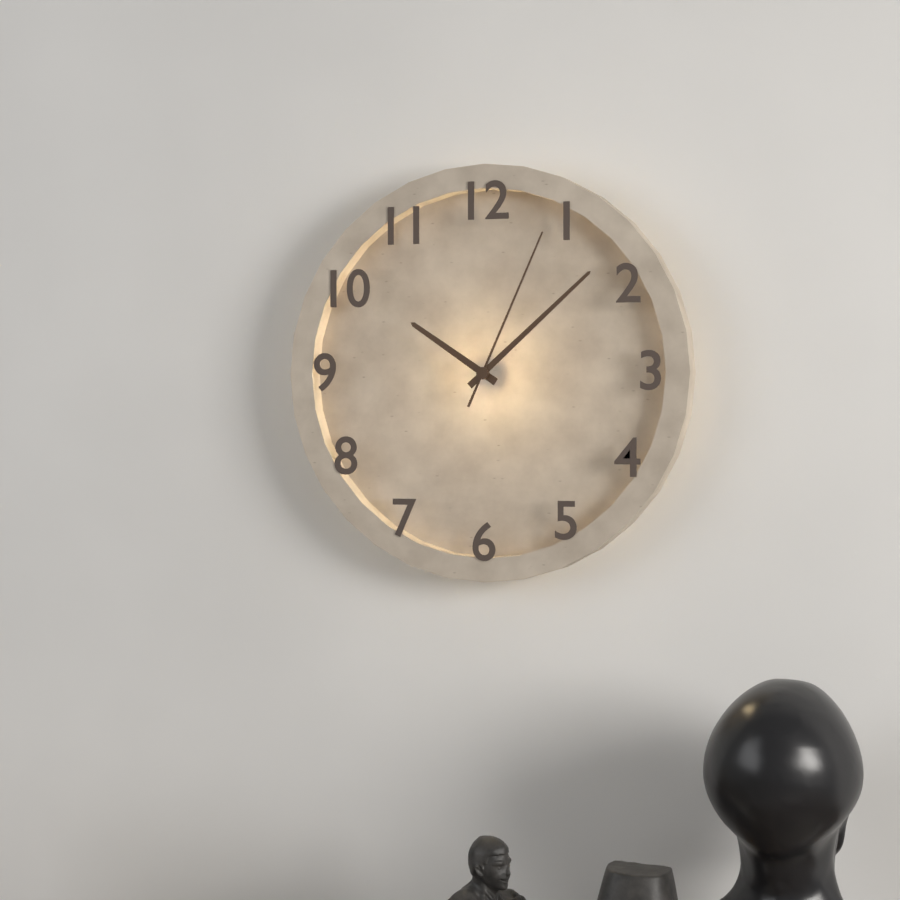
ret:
10:08:04
